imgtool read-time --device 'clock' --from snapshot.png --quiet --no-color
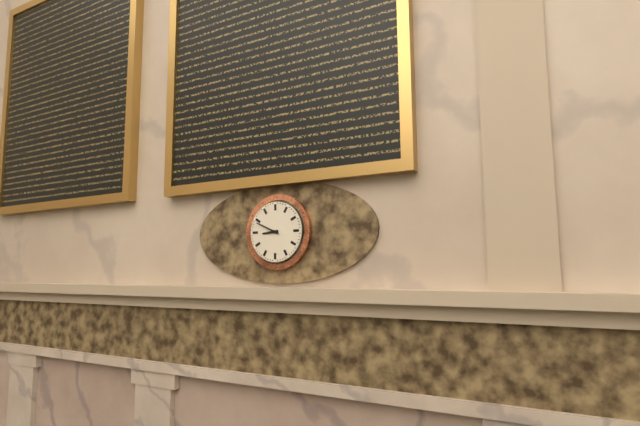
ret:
8:49
